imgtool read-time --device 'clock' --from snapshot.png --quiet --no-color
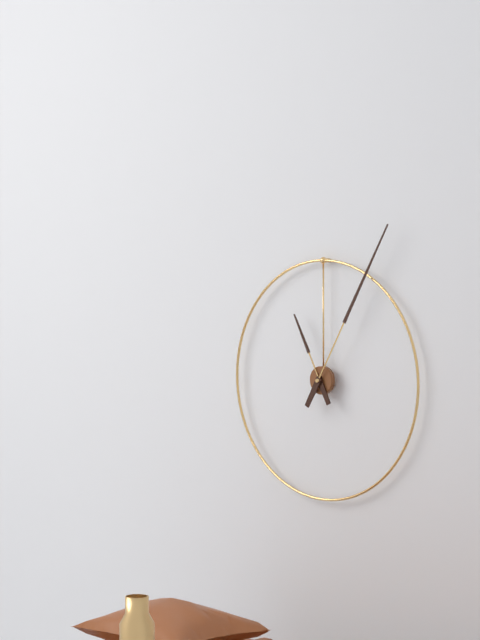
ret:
11:05
